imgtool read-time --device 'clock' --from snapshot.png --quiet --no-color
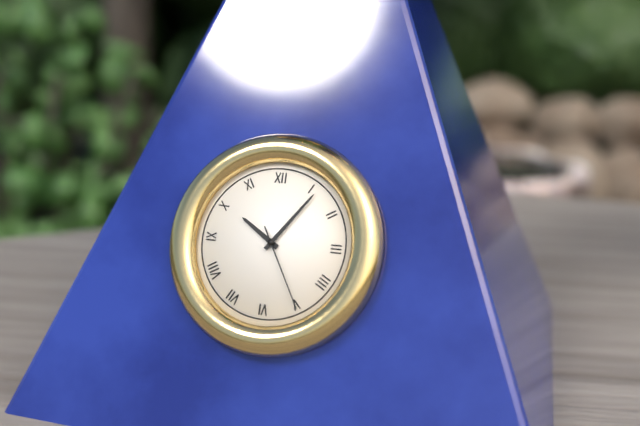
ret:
10:06:25
